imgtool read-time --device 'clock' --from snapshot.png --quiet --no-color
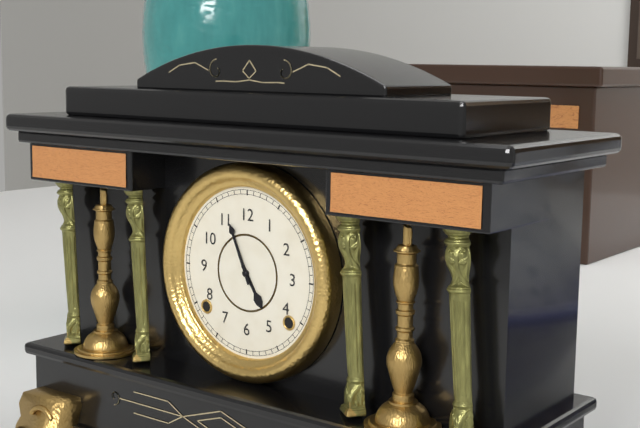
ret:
4:56
